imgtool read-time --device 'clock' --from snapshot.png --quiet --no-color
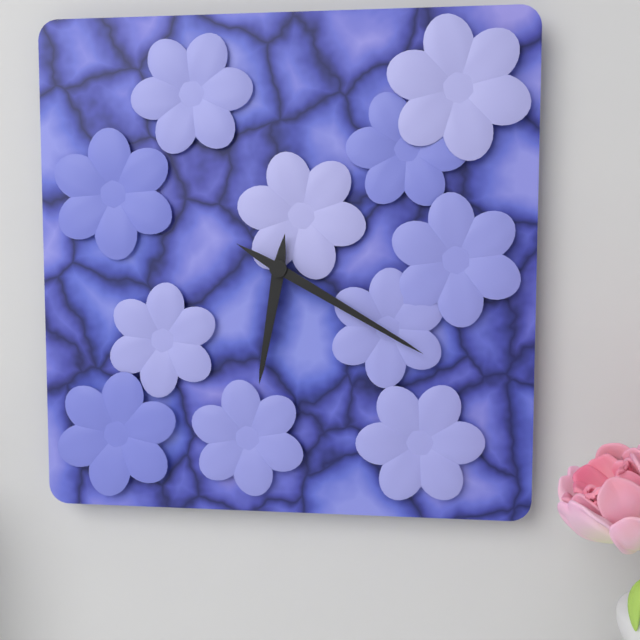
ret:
6:20
